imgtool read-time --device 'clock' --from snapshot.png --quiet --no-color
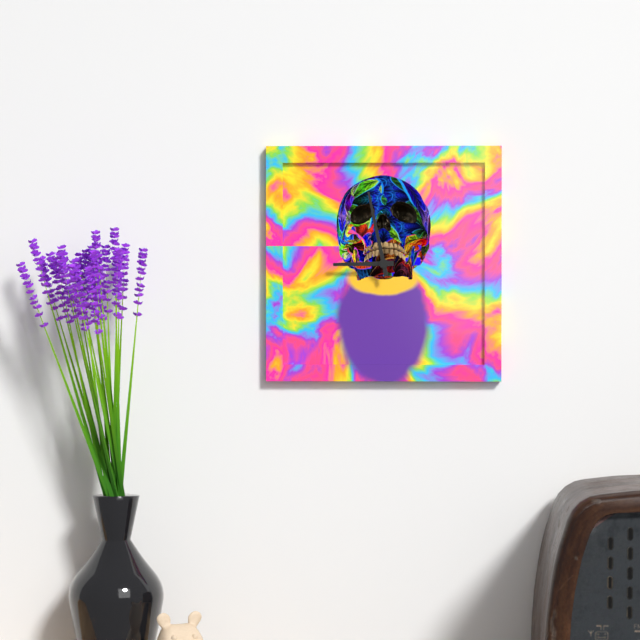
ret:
8:58
